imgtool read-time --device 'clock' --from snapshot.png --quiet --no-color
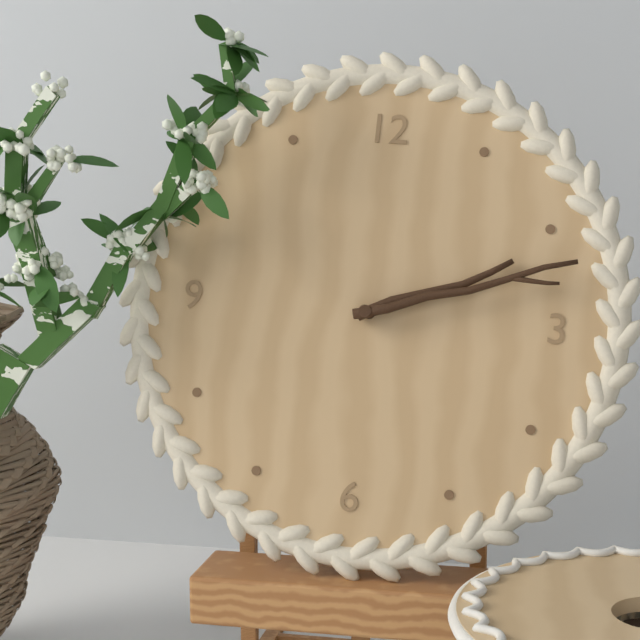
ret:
2:12
